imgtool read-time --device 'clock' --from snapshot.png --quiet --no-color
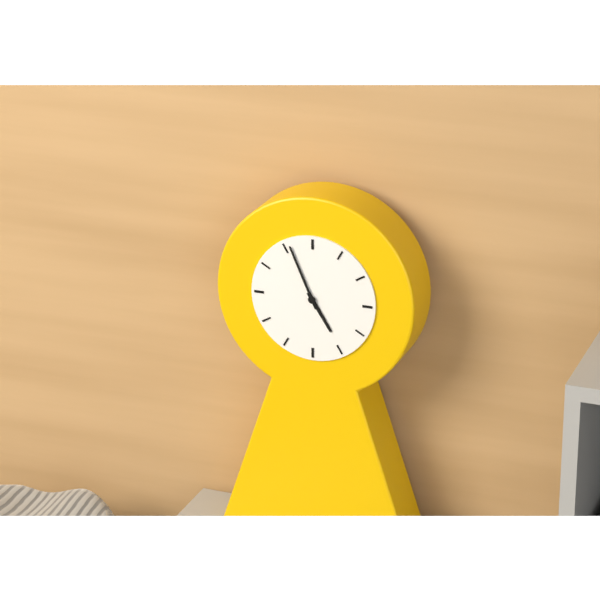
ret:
4:56
